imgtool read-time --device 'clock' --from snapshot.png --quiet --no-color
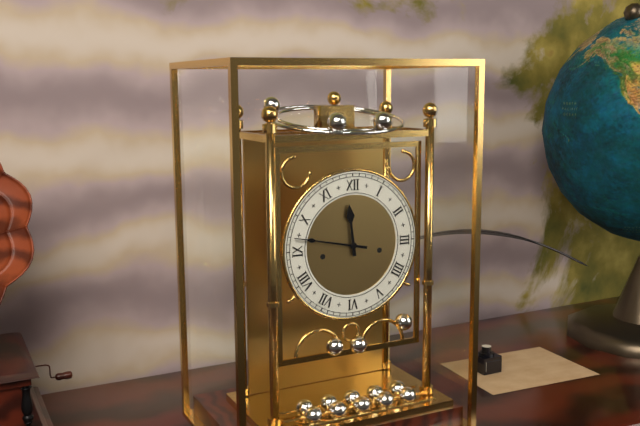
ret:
11:47
